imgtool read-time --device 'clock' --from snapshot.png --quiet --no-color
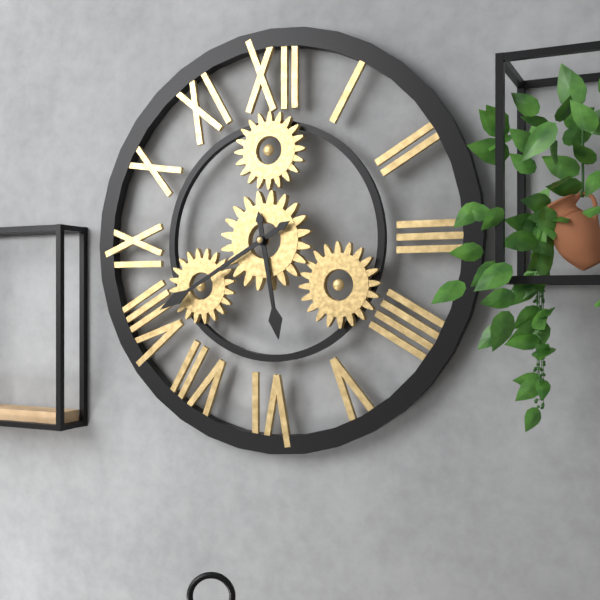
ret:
5:40
